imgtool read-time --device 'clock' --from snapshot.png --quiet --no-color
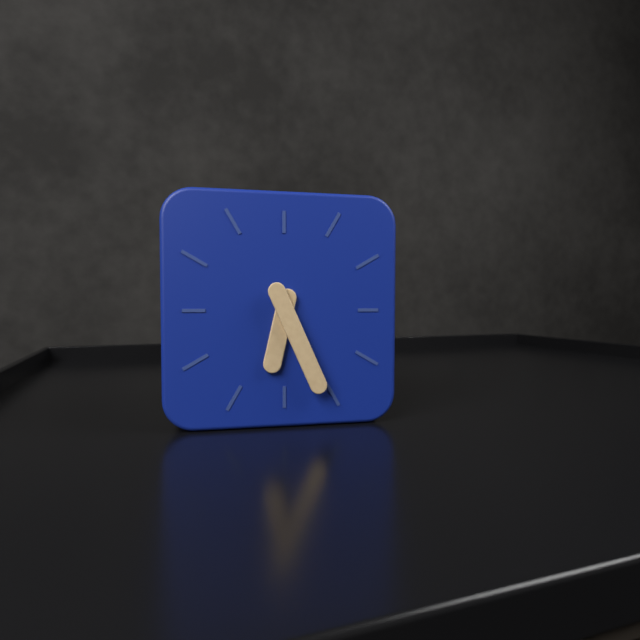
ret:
6:26
